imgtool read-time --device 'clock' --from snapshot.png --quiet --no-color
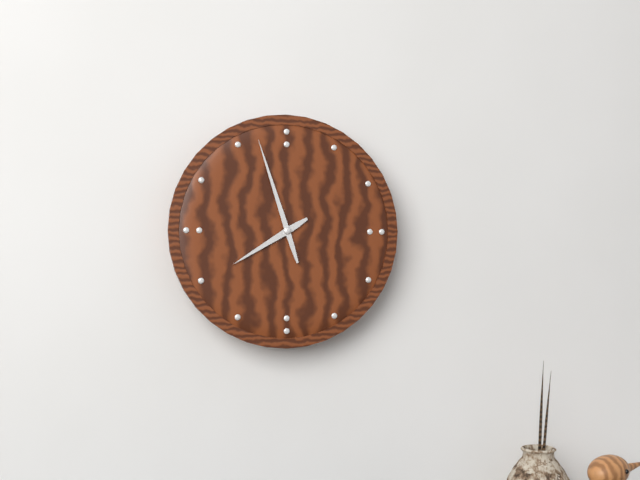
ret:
7:57
